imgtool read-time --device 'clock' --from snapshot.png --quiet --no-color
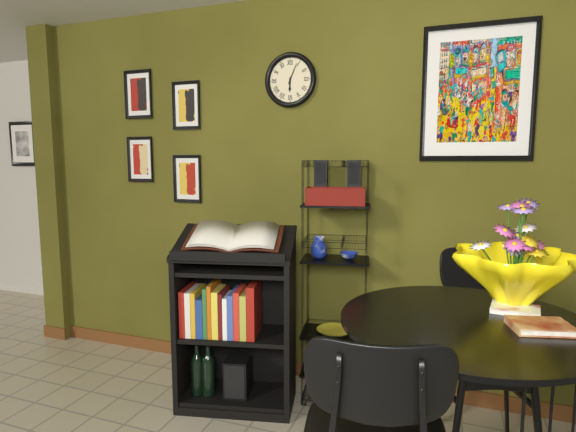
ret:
6:04
